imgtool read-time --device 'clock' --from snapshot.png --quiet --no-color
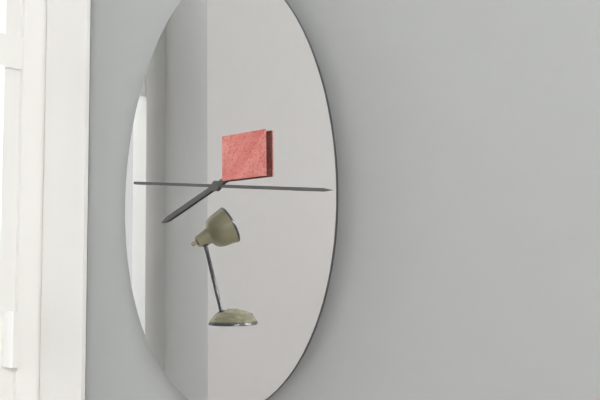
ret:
8:16
